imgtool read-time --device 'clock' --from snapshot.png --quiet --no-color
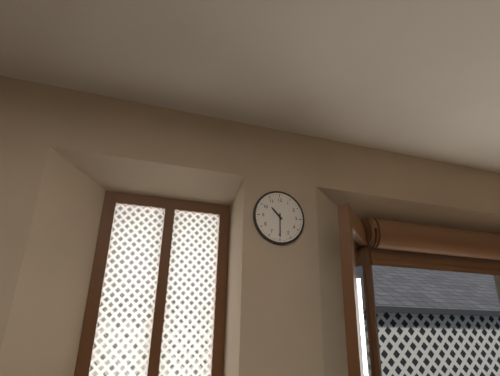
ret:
10:30
